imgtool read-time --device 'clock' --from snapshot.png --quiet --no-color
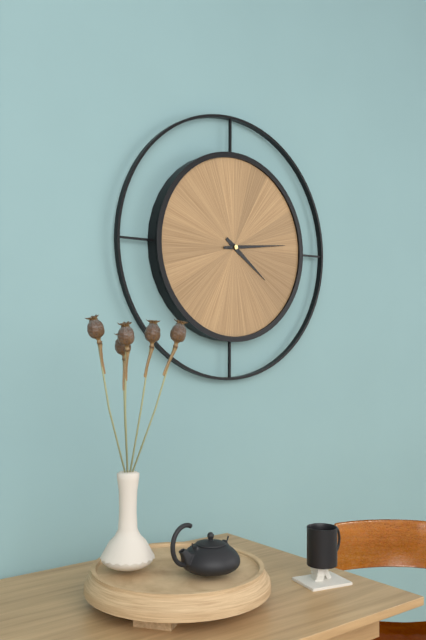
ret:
4:14
